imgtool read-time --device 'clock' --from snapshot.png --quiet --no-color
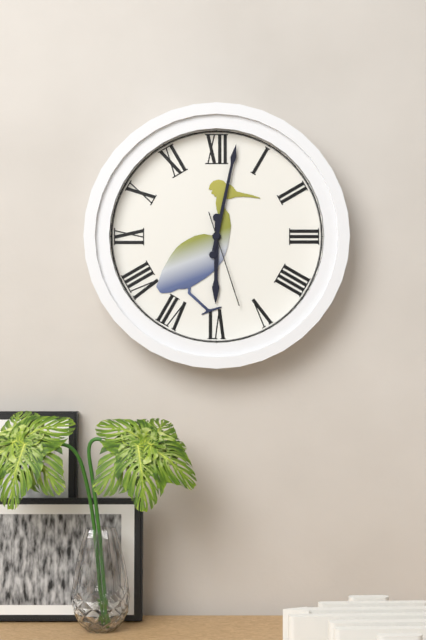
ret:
6:02:27
